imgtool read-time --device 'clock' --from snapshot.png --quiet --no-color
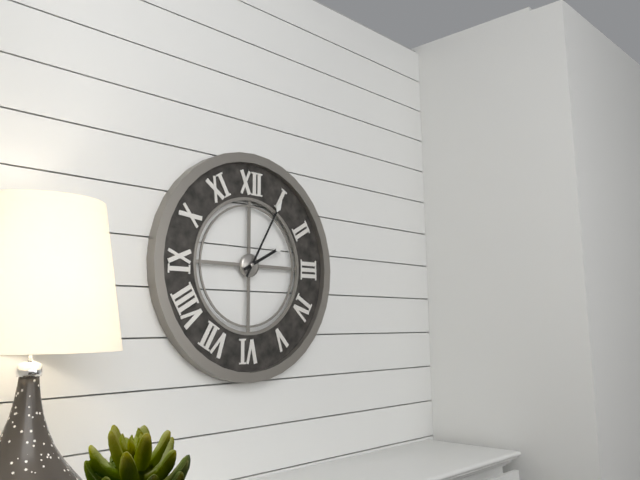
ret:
2:05
